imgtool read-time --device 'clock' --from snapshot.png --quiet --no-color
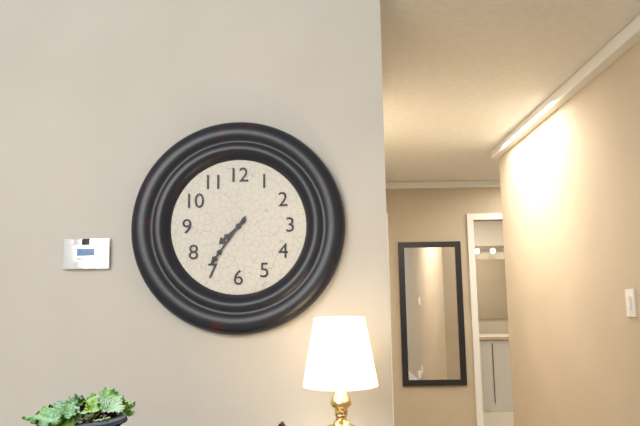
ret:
7:36
